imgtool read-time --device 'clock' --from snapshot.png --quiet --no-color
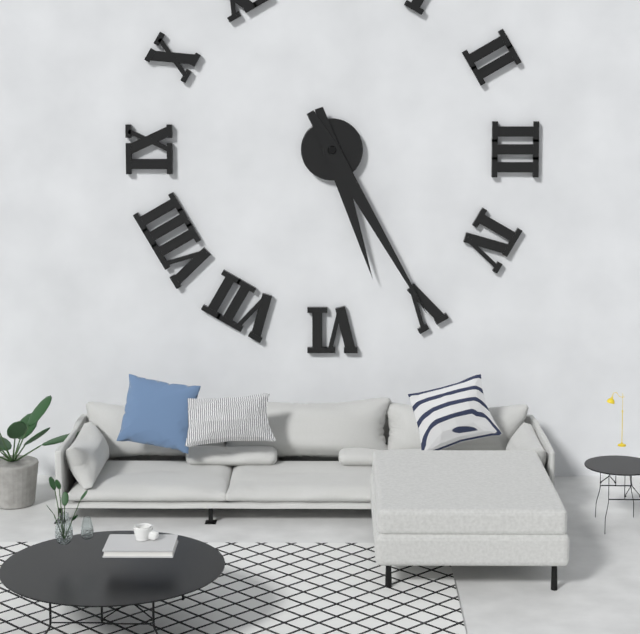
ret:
5:25
